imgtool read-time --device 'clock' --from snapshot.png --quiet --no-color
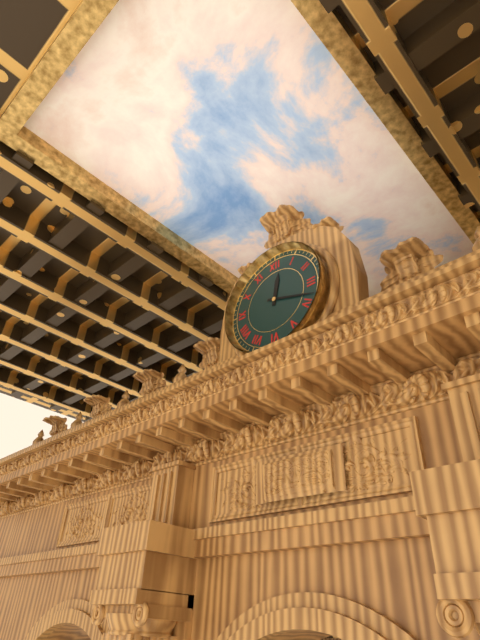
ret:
12:18
